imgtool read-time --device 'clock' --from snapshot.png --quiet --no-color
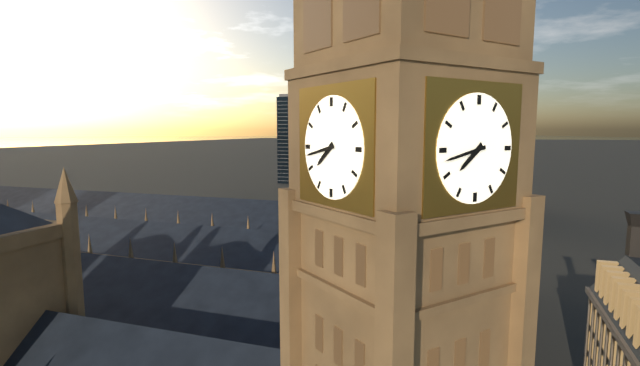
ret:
7:43
